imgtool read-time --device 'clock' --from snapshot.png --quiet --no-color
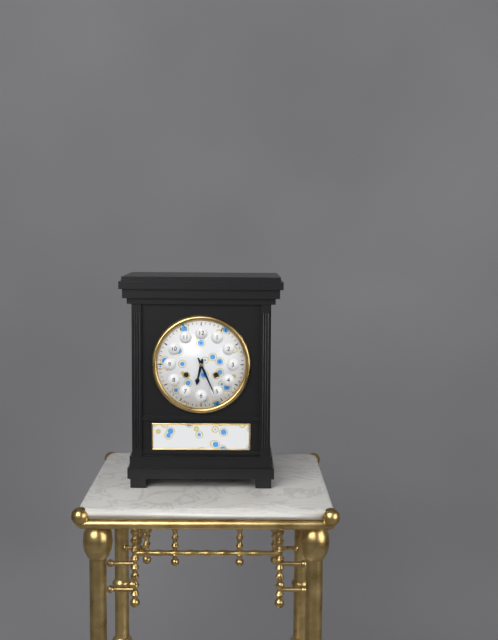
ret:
6:26
